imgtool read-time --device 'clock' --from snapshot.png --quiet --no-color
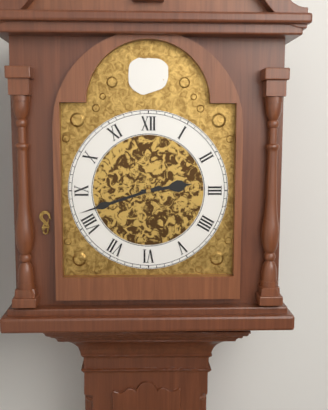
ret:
2:42
